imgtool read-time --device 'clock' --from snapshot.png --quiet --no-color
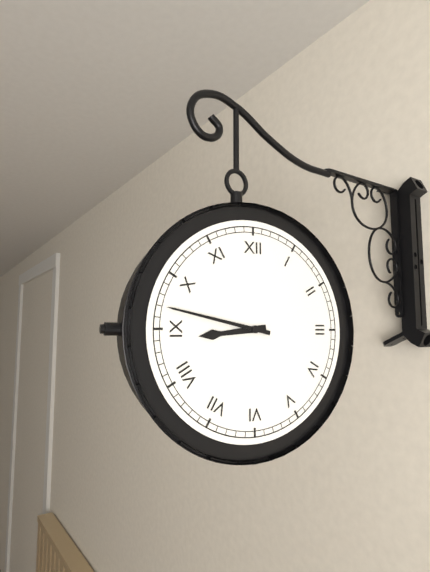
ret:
8:47
